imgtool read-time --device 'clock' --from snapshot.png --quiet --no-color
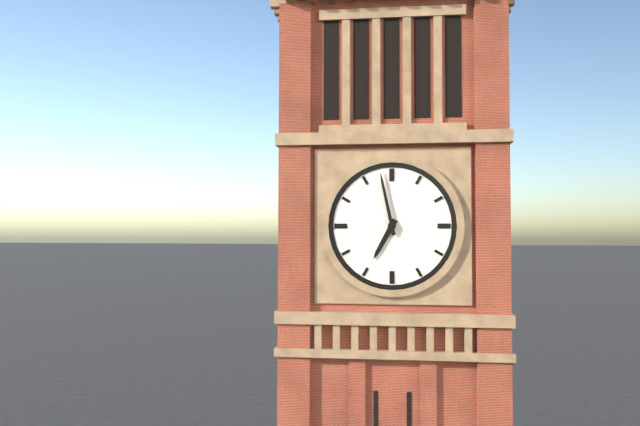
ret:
6:58
